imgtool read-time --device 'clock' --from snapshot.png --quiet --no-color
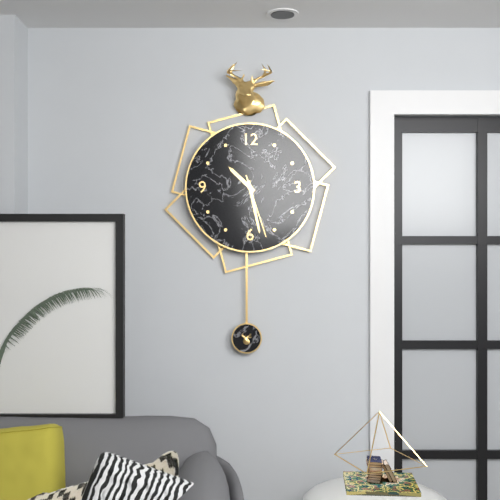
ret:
10:28:27
